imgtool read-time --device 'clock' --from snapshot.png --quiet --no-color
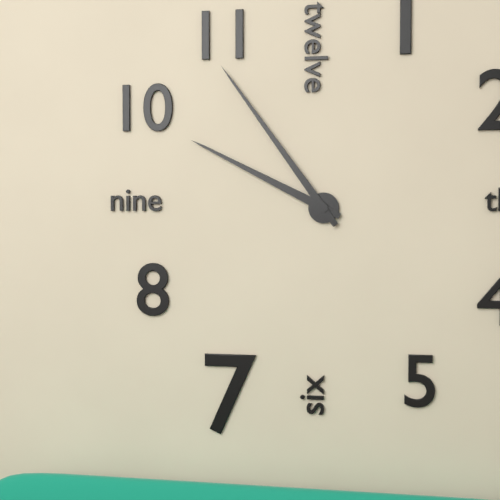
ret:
9:54
